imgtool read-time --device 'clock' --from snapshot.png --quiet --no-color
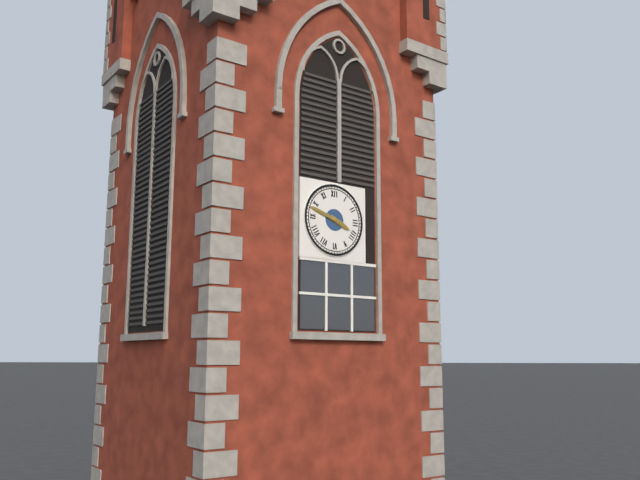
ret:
3:48
